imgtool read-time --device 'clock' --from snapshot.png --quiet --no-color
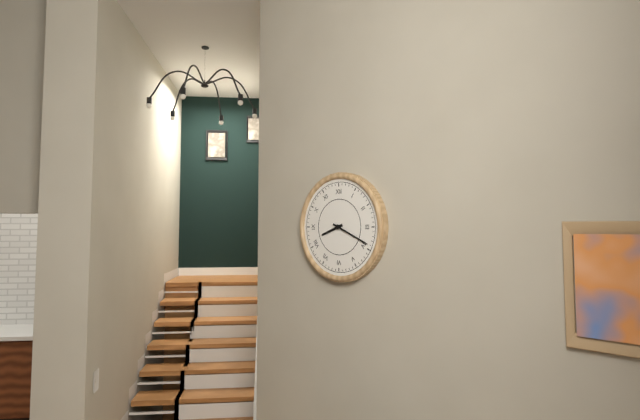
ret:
8:19
